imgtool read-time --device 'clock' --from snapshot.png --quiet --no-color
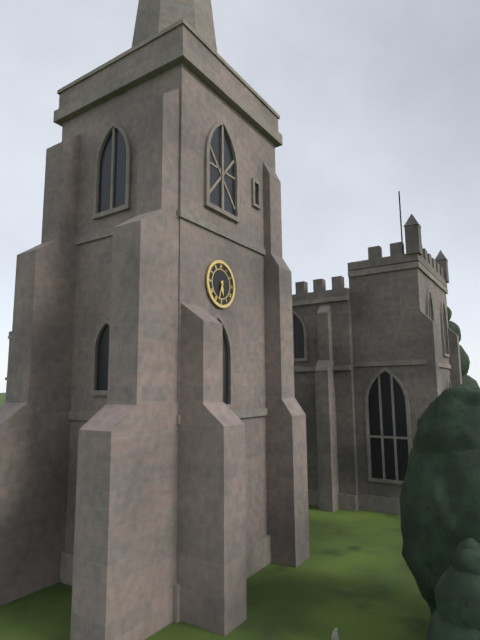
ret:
5:33
